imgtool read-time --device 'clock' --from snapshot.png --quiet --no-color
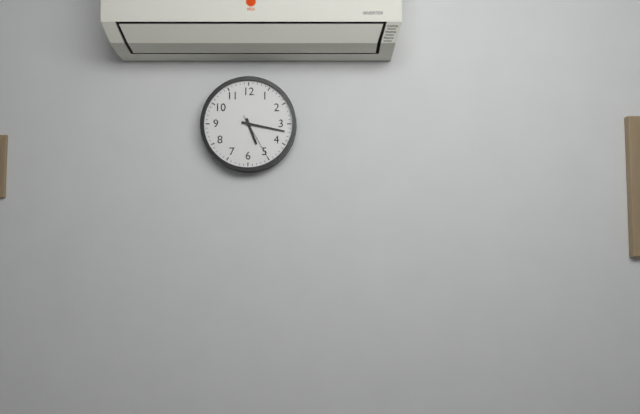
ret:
5:17
